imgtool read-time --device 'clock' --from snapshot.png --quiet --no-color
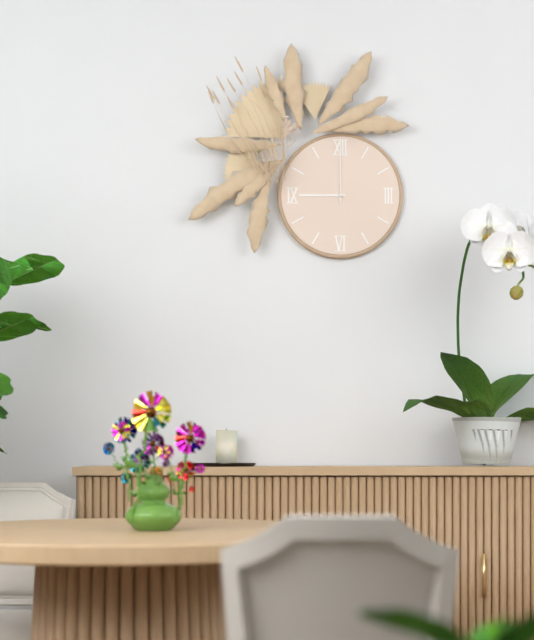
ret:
9:00
